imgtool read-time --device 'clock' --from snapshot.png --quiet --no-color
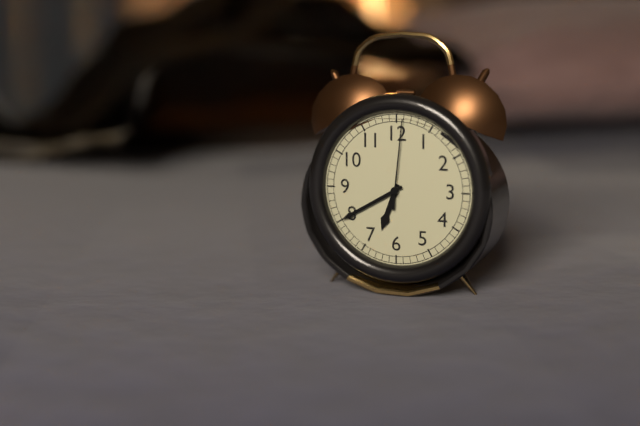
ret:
6:40:01
